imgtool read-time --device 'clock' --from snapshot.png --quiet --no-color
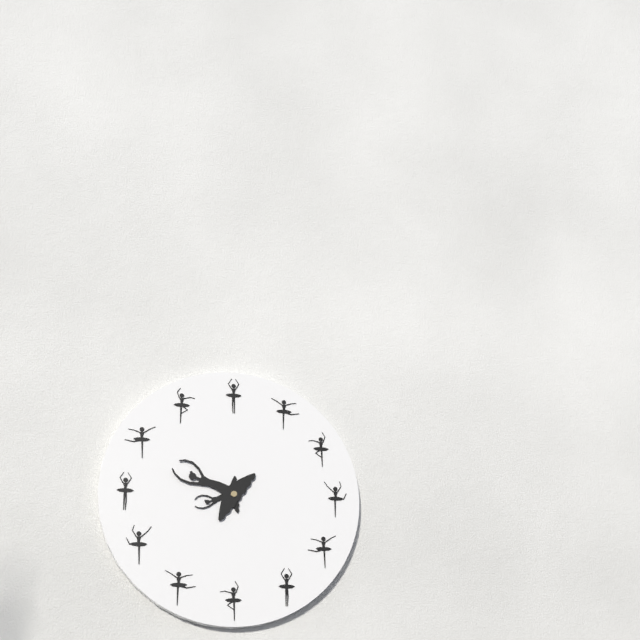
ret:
8:51
